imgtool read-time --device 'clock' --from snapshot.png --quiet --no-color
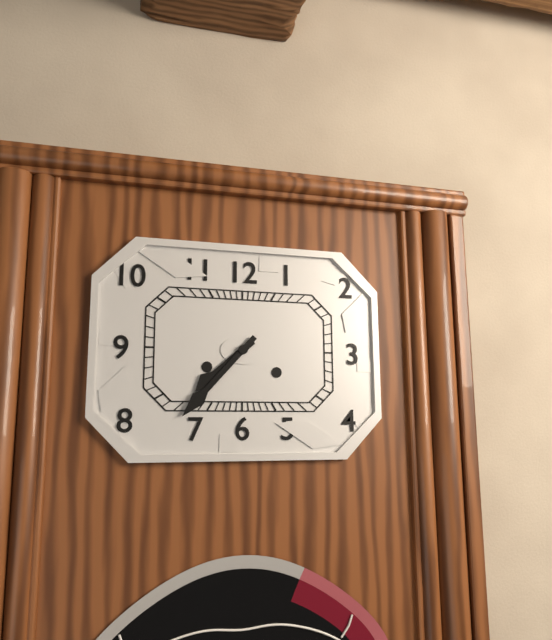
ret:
7:37
